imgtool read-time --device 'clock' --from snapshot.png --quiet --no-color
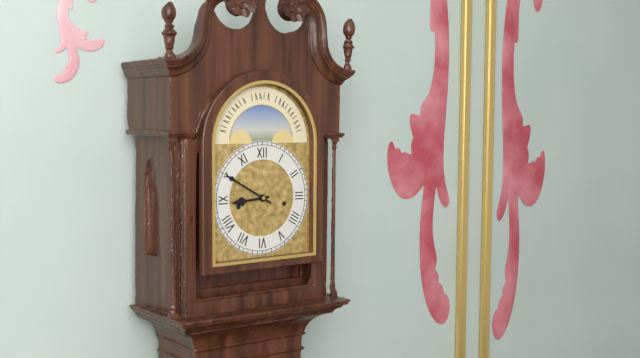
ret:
8:50
